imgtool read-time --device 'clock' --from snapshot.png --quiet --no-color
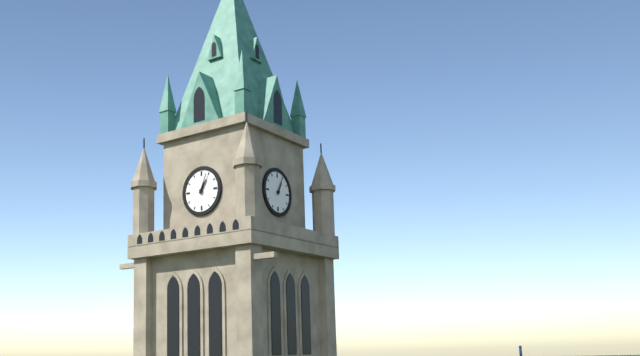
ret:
1:04
